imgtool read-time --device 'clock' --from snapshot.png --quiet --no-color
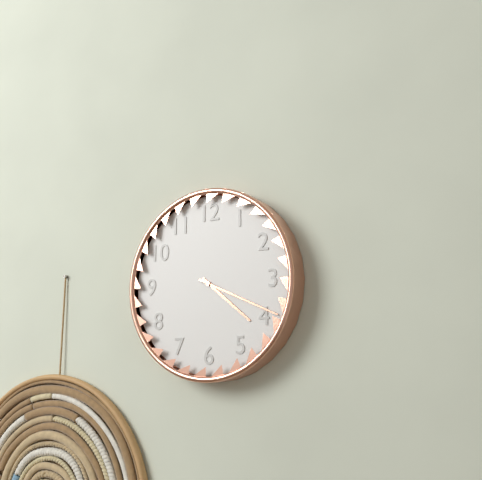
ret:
4:19
